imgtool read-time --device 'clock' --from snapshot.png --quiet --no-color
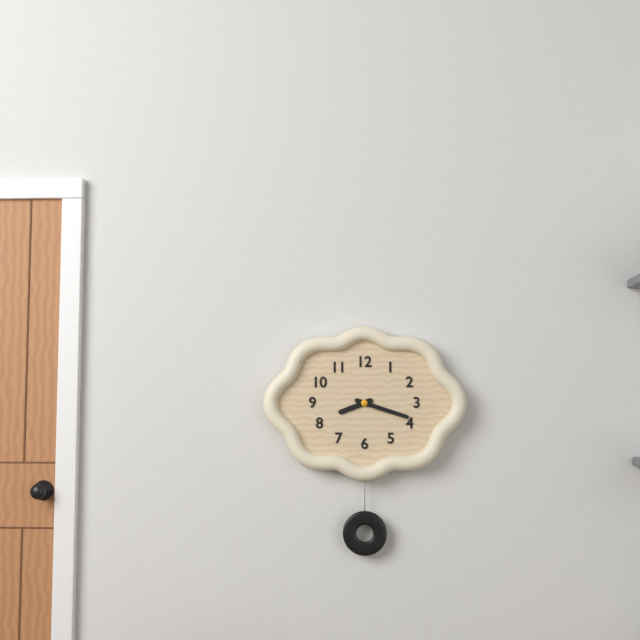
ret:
8:18
